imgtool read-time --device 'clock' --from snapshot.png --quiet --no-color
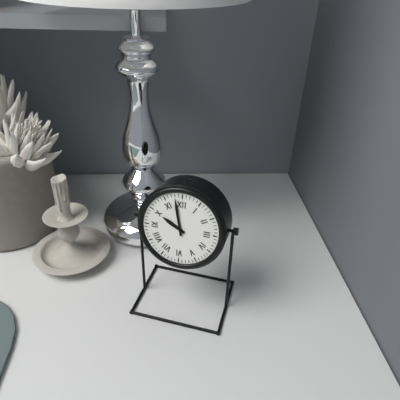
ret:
9:58
